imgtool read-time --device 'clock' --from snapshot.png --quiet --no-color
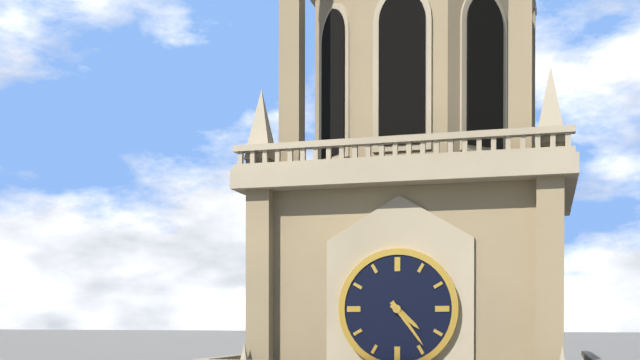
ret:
4:24
